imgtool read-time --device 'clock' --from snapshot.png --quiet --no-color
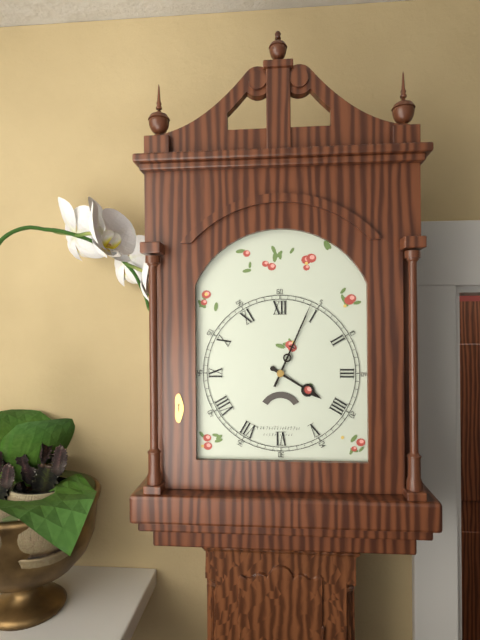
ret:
4:04
